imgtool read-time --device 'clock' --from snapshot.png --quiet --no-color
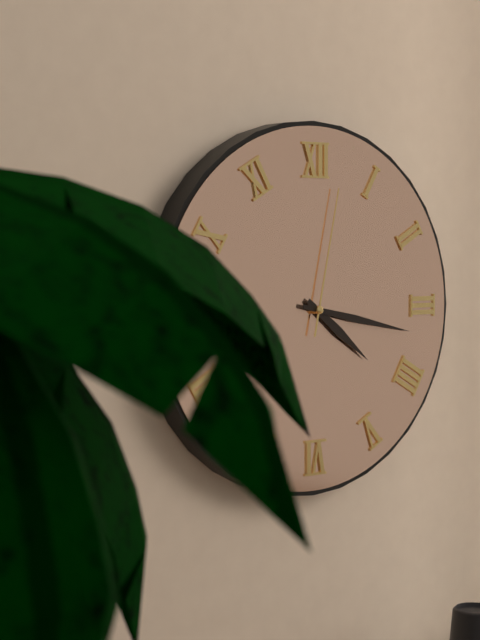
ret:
4:17:02
